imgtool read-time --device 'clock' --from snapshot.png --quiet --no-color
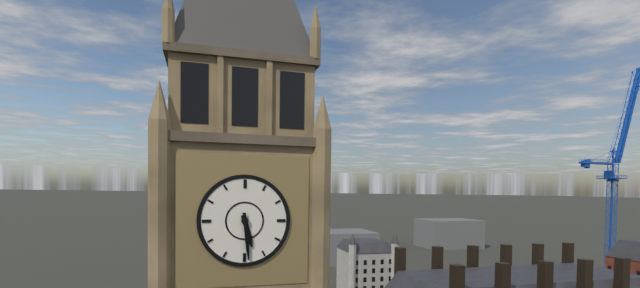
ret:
5:29
